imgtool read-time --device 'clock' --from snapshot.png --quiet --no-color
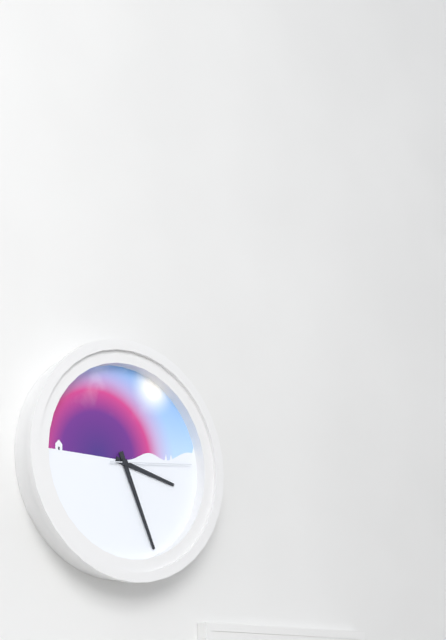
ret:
3:26:14
